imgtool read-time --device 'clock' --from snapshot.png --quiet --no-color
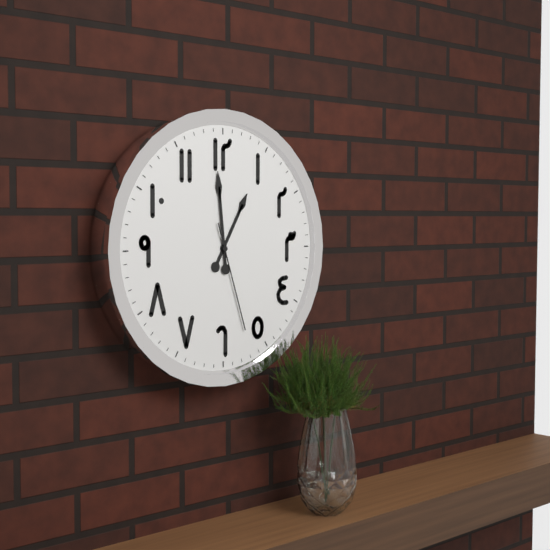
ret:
12:59:27
